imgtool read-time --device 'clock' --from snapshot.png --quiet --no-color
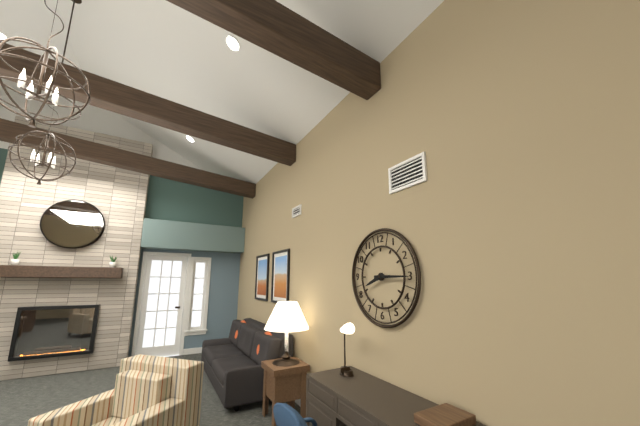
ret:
8:15
